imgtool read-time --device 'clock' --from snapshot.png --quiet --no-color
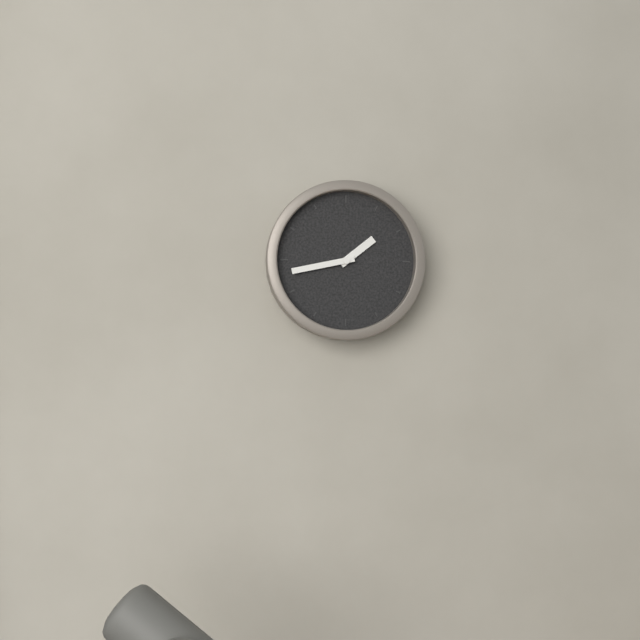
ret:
1:43
